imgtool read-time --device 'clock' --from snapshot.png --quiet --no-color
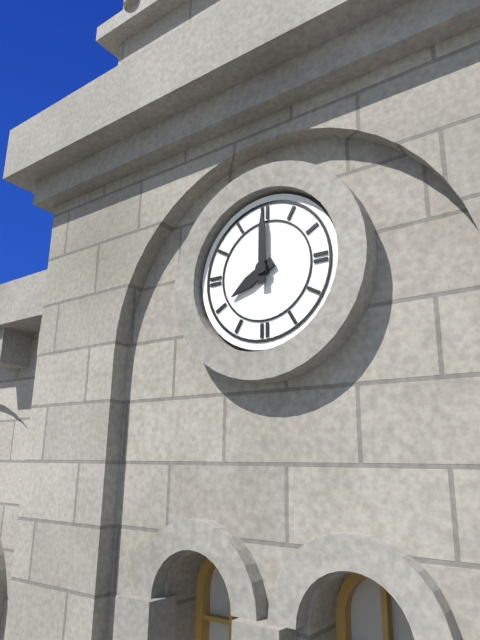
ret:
8:00
